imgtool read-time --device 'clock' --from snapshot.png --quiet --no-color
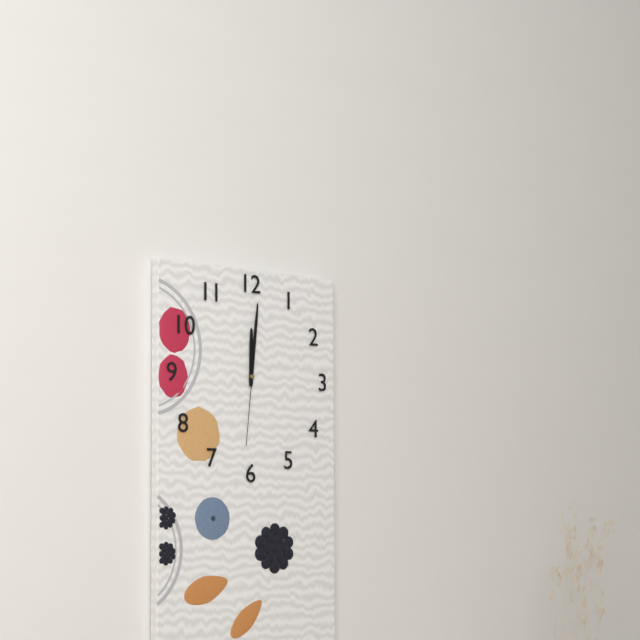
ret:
12:01:31
